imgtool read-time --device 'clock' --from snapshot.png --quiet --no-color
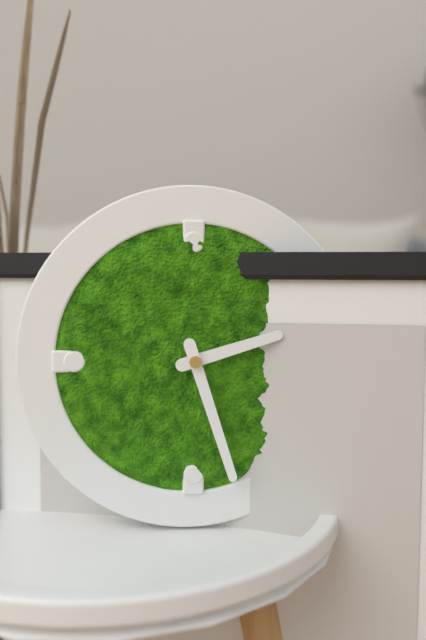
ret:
2:27
